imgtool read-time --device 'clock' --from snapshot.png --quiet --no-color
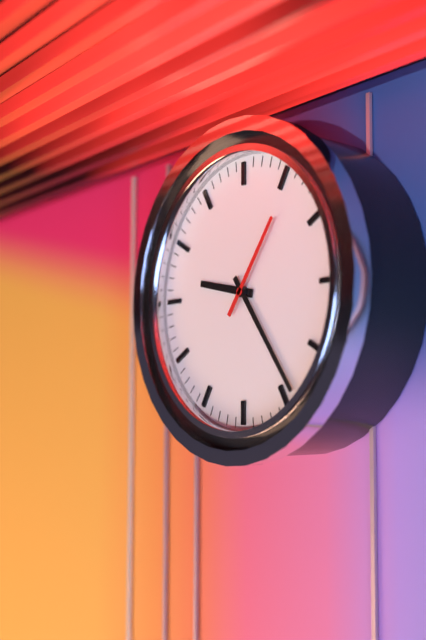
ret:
9:24:06
